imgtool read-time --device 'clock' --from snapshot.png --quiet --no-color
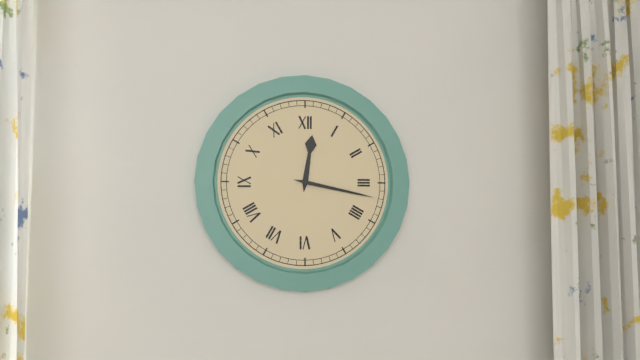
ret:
12:17
